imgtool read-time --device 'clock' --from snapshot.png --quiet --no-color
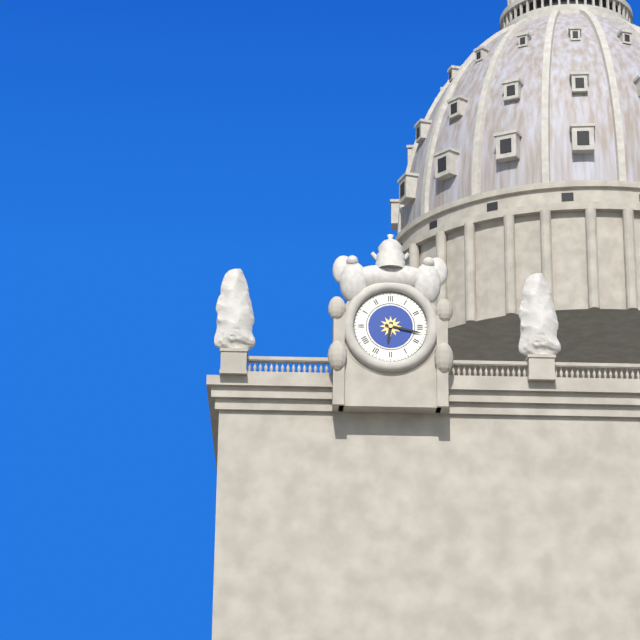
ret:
6:17
